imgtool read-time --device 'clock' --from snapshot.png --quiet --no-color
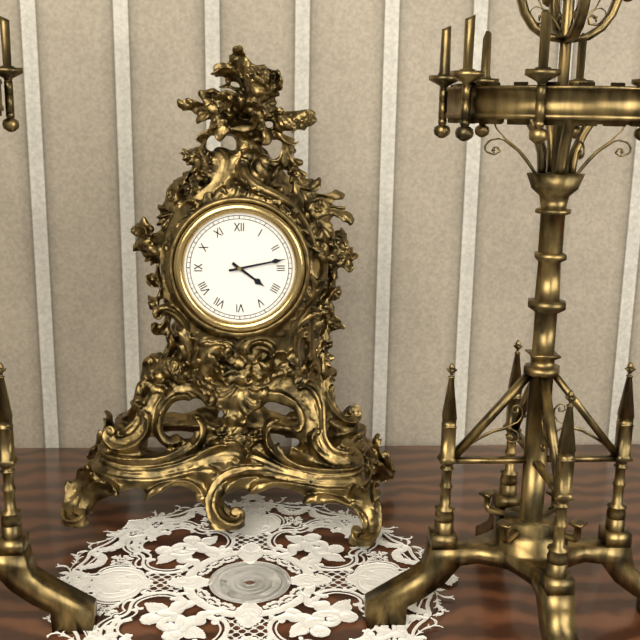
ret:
4:13
